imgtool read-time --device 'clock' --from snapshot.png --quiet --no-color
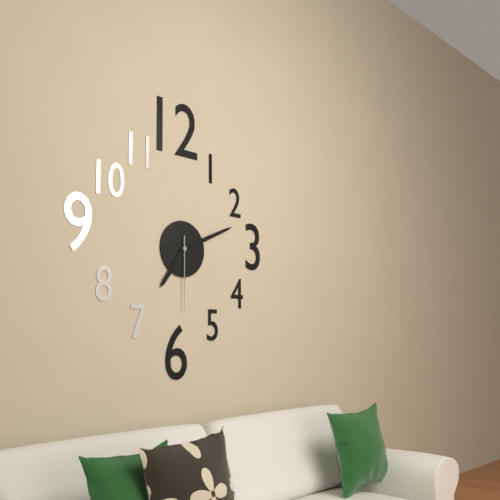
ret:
7:11:30
